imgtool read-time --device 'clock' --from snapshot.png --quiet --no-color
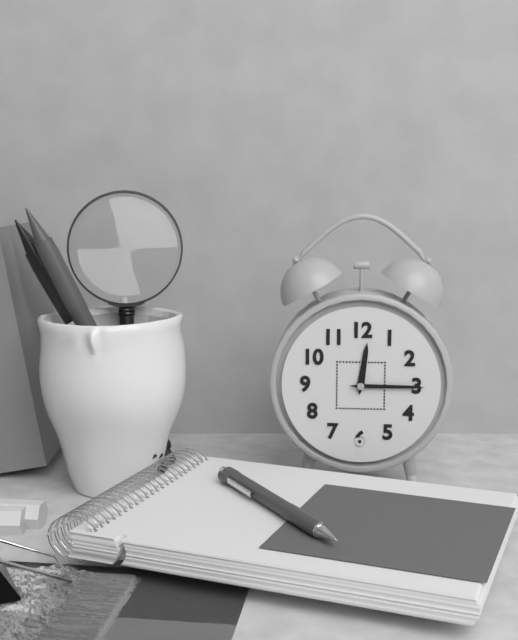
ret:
12:15
